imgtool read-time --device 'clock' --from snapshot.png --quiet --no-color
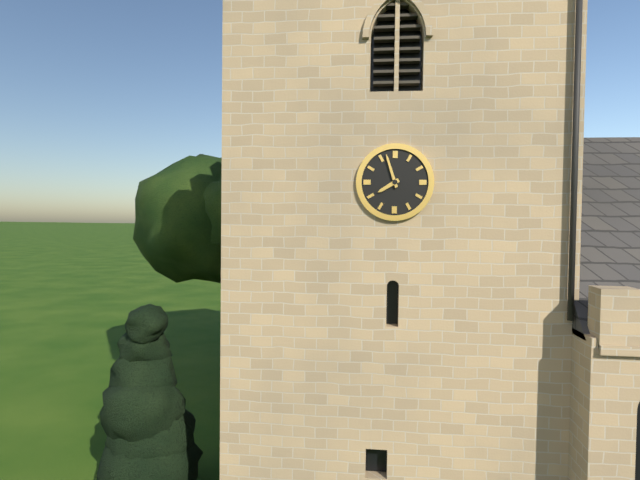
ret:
7:57
